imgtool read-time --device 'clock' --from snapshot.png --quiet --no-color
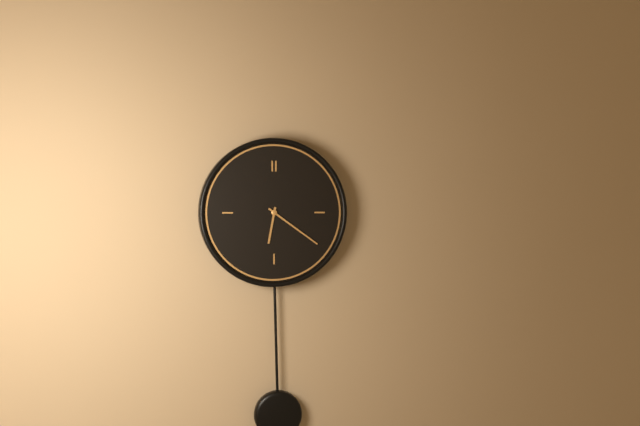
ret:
6:21
